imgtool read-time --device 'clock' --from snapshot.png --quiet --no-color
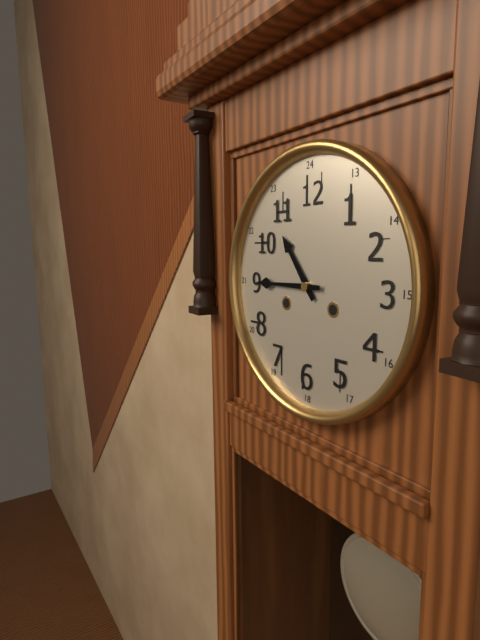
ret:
10:45
